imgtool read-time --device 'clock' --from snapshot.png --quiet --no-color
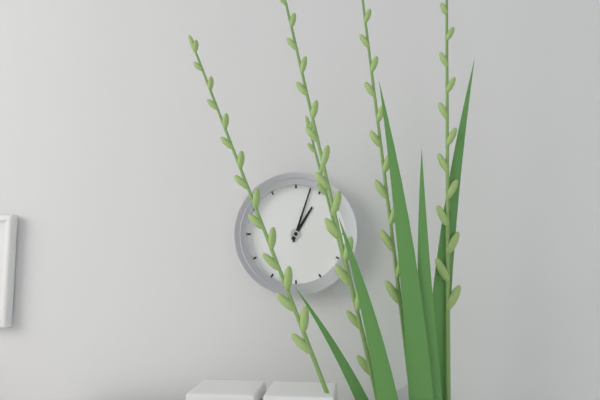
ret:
1:03
